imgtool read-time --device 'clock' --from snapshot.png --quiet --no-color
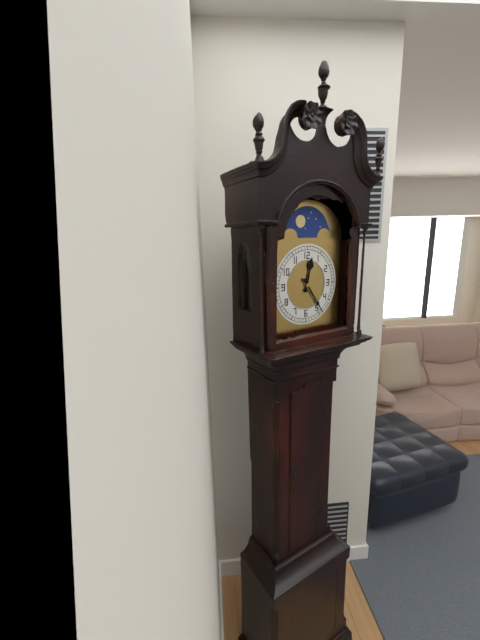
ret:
12:24
